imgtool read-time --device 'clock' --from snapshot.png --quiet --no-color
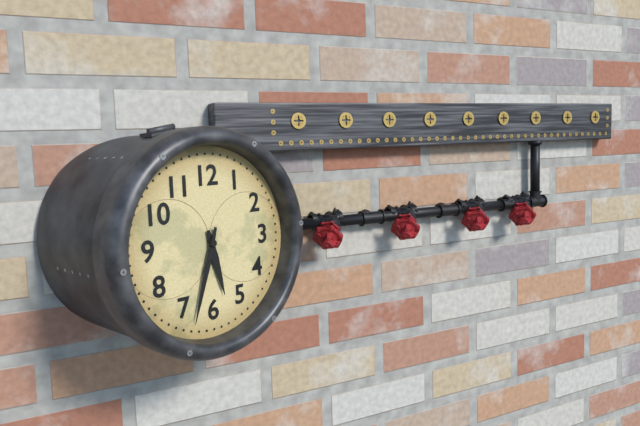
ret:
5:33
